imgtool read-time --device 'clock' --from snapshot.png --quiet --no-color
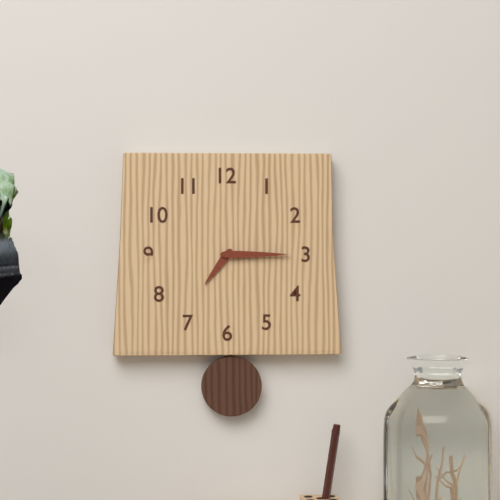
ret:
7:15
